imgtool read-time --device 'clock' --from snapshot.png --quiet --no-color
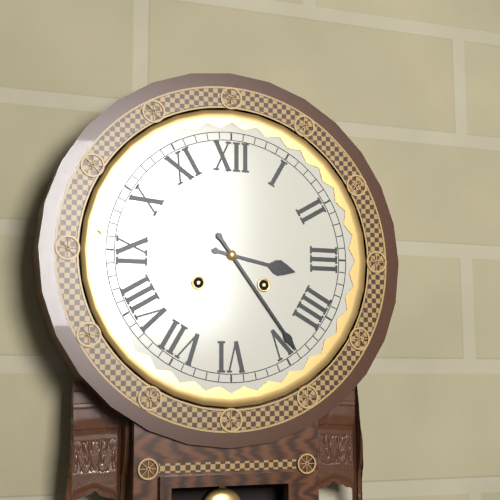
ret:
3:24
